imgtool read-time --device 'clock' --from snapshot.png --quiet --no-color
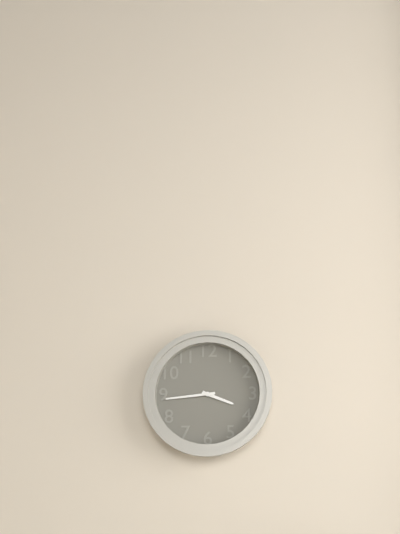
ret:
3:44
